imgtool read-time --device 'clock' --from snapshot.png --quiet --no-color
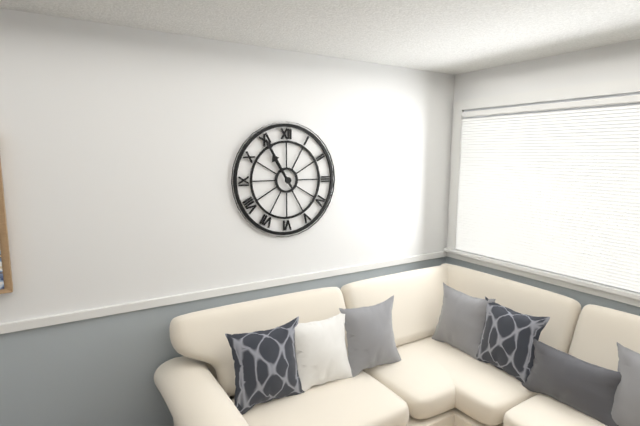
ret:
10:55
